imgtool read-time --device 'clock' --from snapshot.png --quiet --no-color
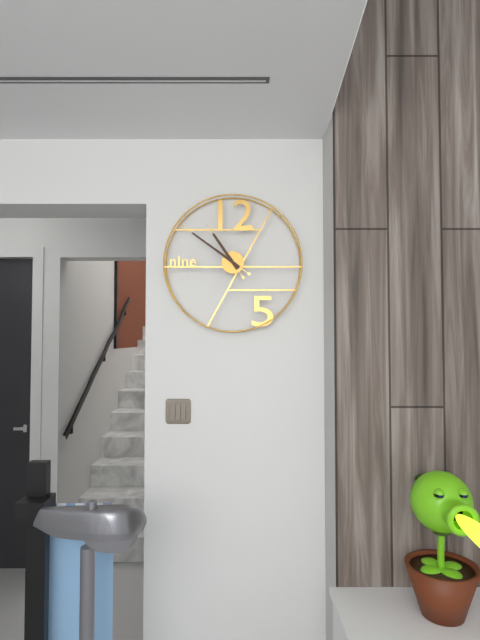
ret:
10:51
